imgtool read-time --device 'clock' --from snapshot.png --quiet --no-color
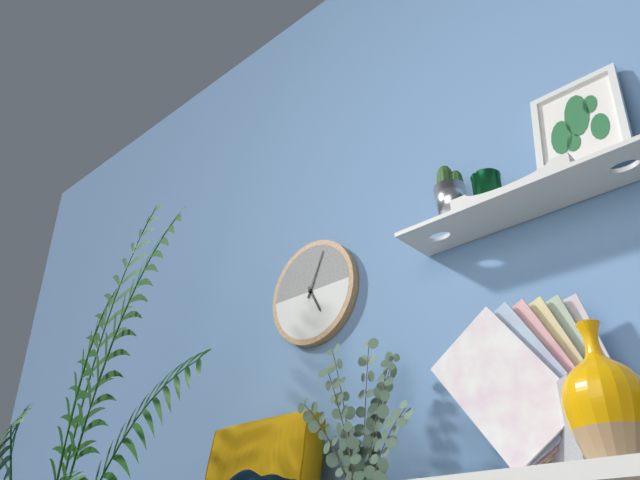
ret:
5:04
